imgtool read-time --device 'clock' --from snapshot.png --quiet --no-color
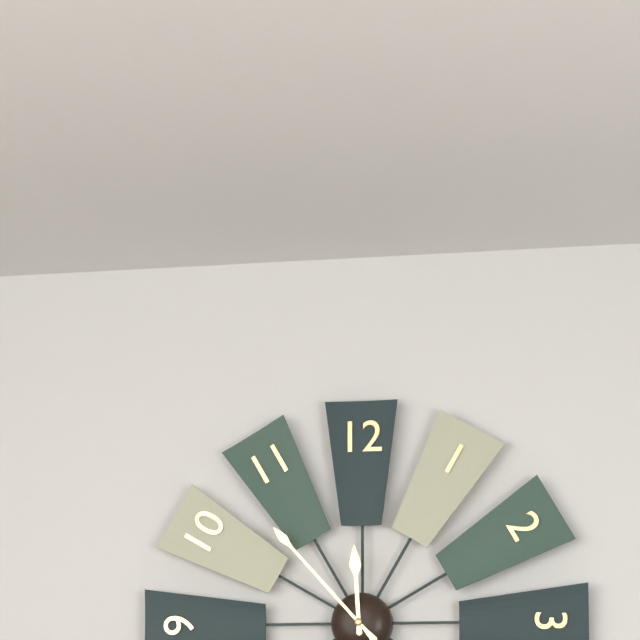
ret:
11:53
